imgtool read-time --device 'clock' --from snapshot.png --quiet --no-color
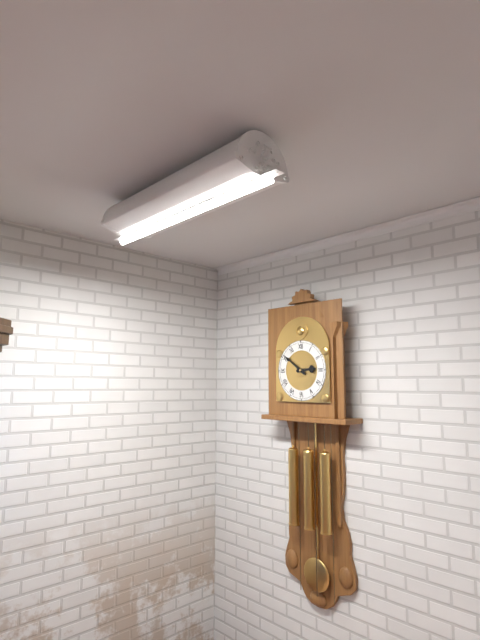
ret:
2:51
